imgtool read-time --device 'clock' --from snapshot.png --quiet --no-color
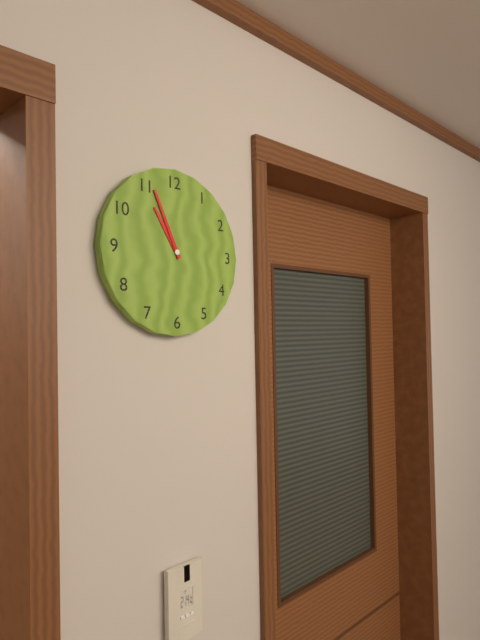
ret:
10:56
